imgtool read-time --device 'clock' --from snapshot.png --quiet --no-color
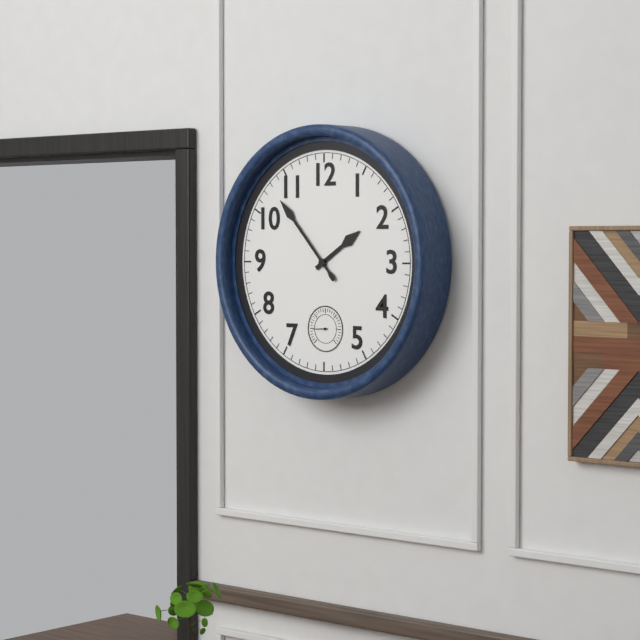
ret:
1:53
